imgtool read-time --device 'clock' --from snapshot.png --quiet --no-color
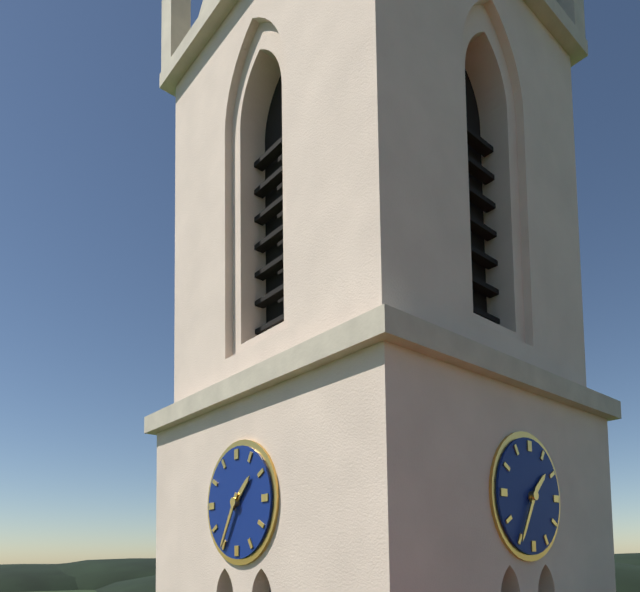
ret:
1:35
